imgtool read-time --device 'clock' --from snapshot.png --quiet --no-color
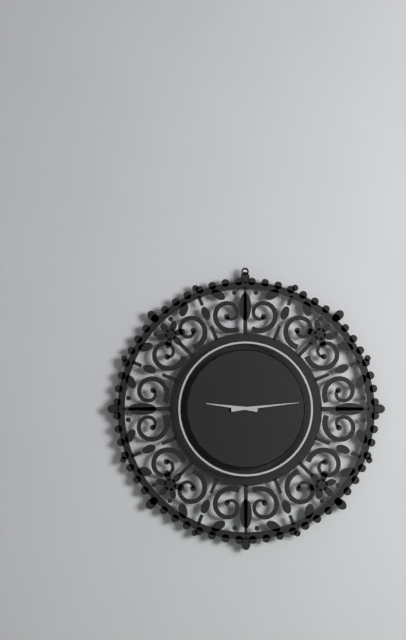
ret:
9:14
